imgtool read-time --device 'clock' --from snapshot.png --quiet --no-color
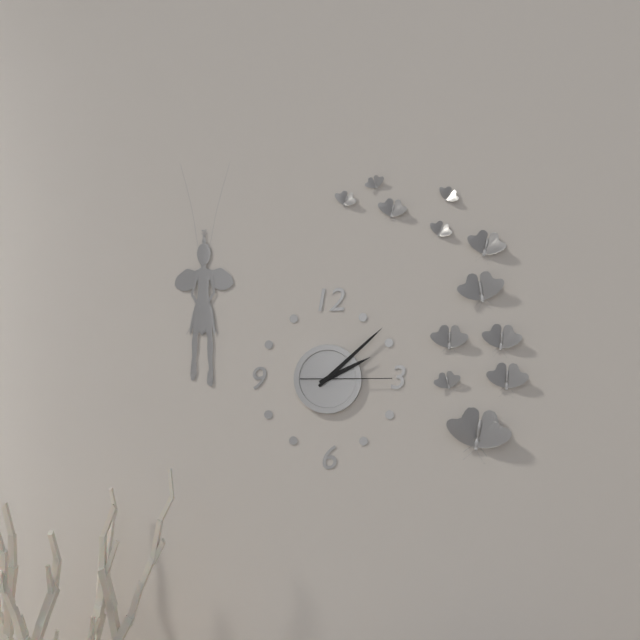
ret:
2:08:15
